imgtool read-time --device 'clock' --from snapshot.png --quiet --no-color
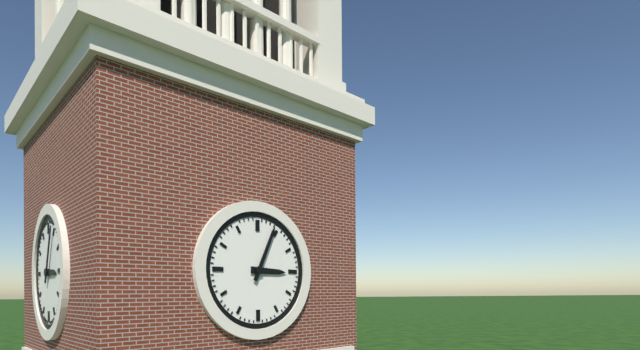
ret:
3:04
